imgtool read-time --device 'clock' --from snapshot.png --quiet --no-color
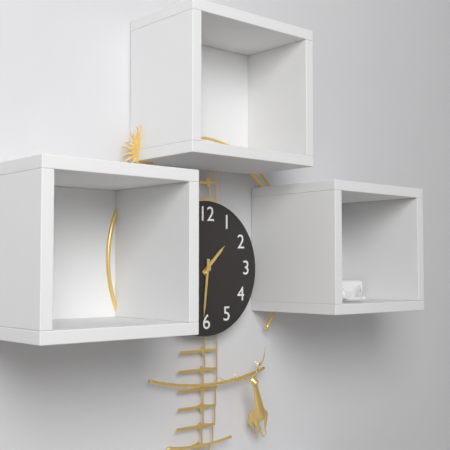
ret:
1:31
